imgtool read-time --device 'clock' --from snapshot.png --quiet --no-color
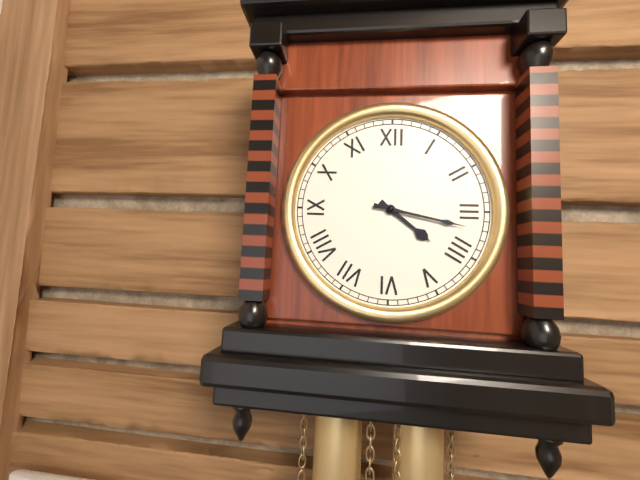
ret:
4:17
